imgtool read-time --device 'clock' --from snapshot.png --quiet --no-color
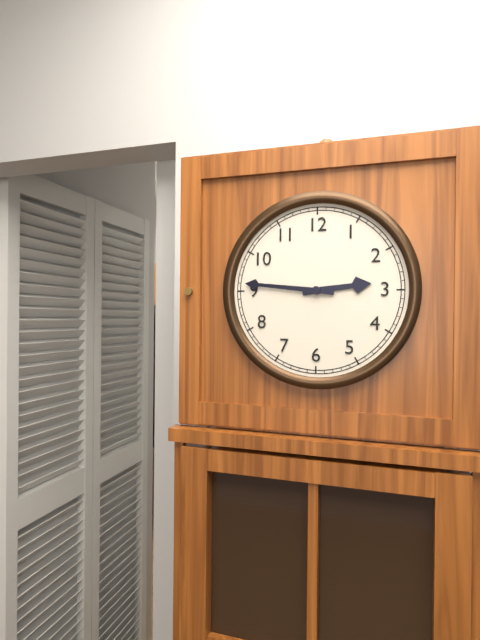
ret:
2:46
